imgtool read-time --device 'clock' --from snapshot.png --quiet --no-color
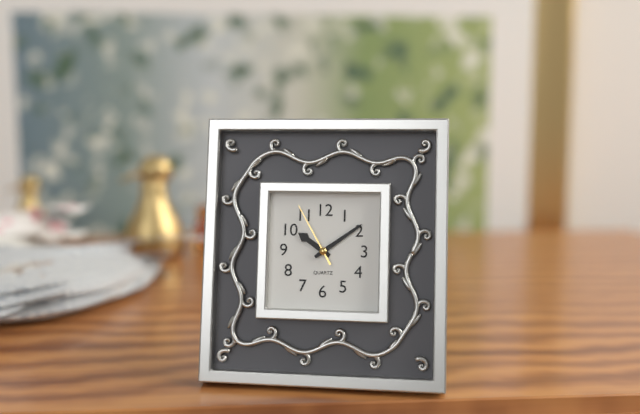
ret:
10:09:55
